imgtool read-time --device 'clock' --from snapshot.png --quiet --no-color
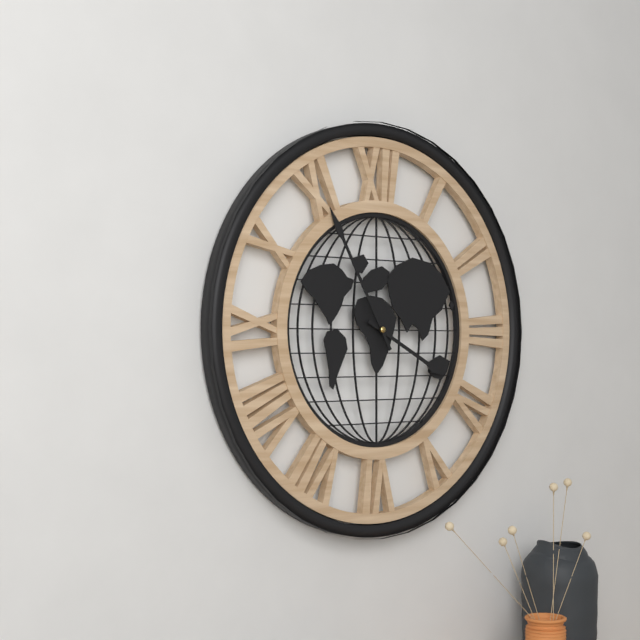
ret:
3:55
